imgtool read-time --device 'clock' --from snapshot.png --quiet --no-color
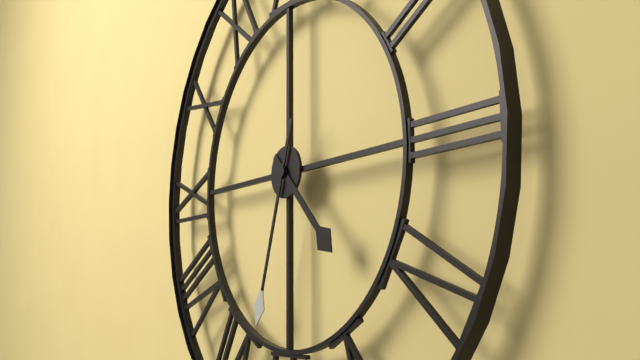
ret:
4:33
